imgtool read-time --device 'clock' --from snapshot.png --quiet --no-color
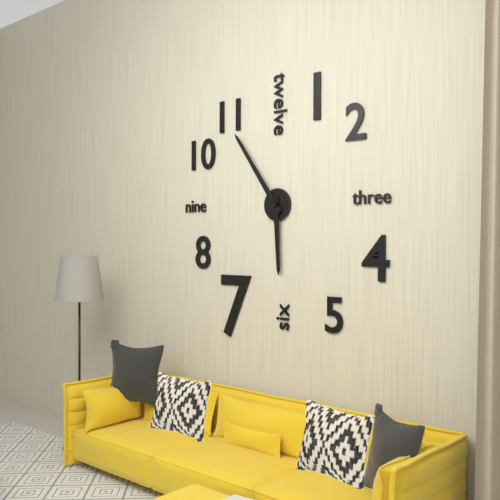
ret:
5:54
